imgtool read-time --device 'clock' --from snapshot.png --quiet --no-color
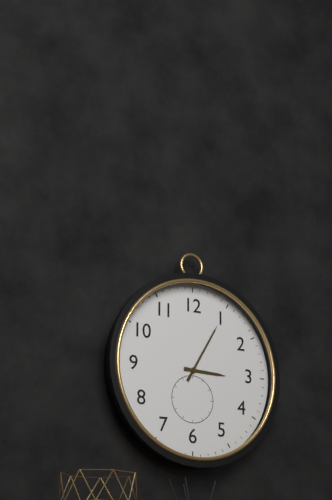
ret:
3:05
